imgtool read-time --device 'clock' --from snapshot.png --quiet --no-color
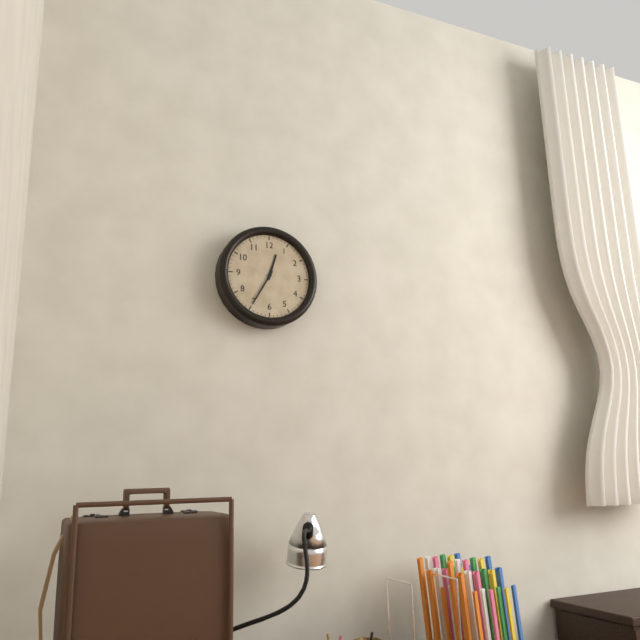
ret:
12:35
